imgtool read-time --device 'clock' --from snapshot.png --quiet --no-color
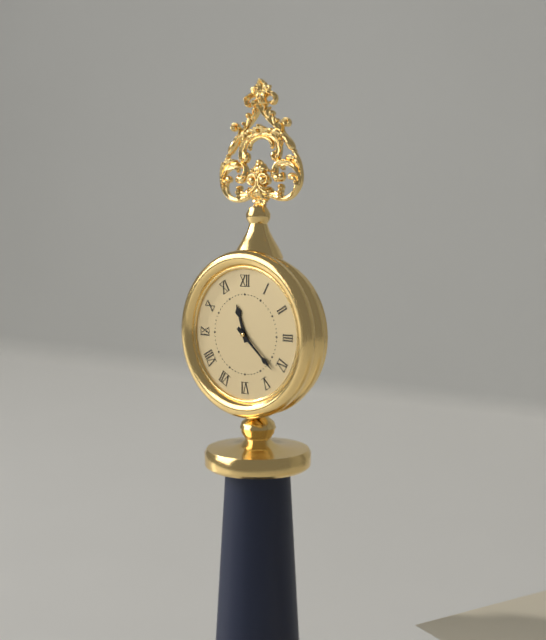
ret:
11:22
